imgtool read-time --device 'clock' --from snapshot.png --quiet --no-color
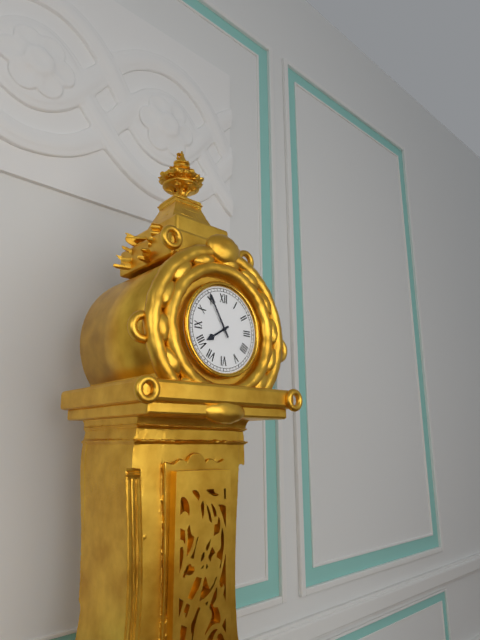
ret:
7:55
